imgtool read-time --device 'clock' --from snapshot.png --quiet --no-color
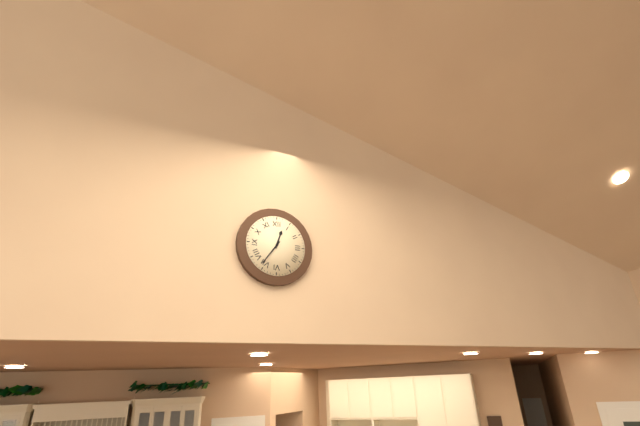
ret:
12:36
